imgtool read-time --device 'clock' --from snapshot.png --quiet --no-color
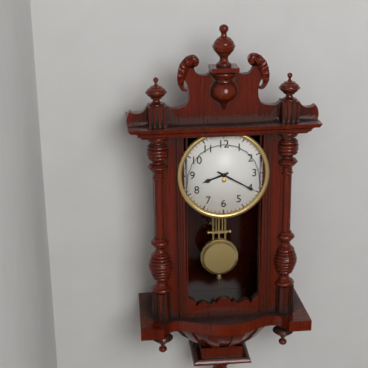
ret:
8:20
